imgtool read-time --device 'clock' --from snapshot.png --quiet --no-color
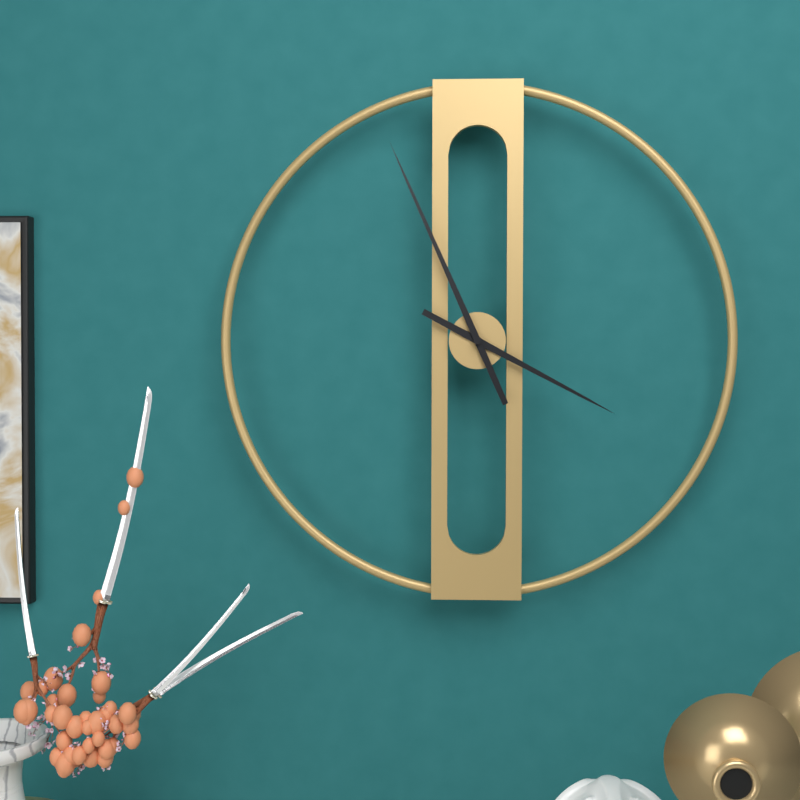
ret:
3:56
